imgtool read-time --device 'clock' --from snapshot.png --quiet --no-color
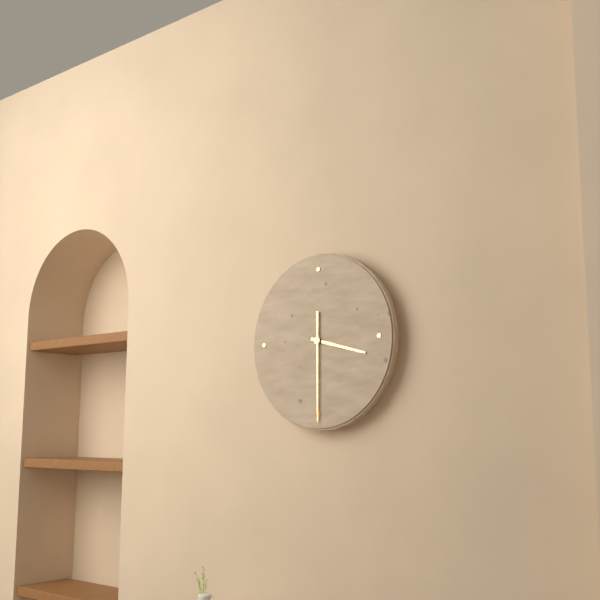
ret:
3:30
